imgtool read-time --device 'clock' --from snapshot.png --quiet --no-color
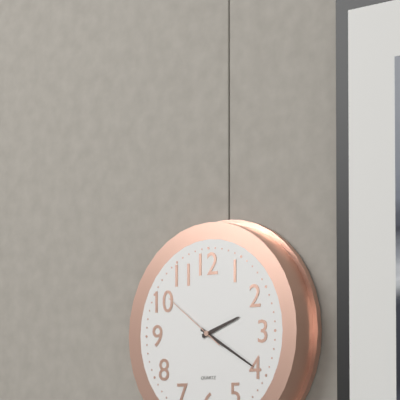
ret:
2:20:51
